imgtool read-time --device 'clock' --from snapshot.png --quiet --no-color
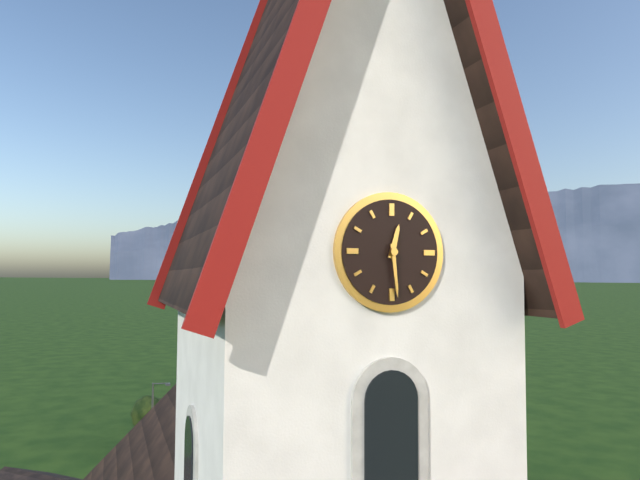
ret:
12:29
